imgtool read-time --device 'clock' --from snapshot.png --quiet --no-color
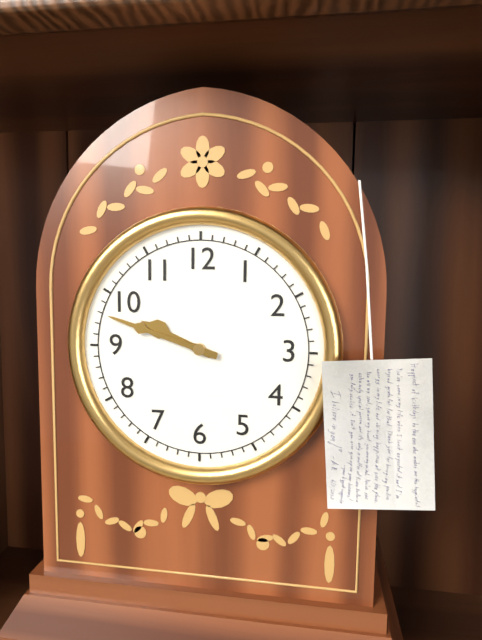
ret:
9:48
